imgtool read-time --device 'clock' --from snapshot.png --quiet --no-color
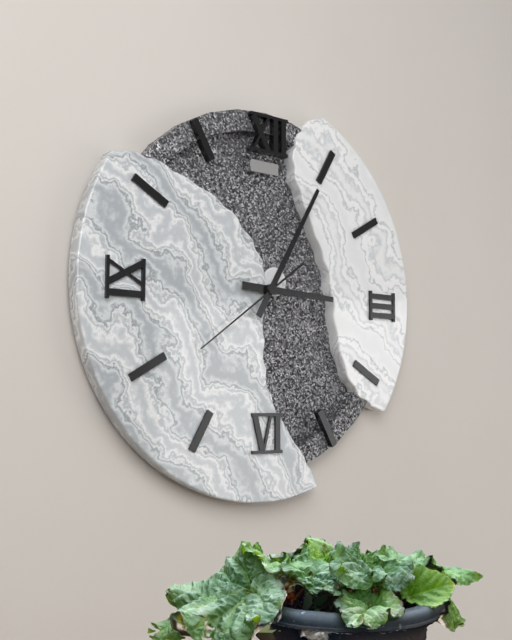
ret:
3:05:39
